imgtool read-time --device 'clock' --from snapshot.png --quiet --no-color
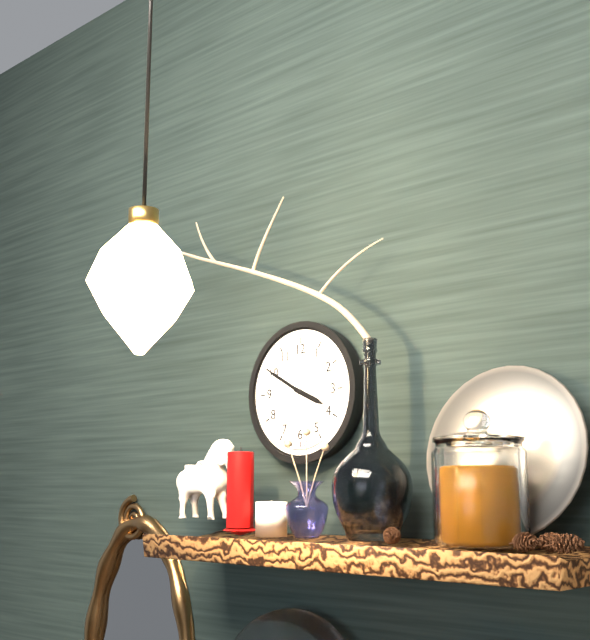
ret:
3:50
